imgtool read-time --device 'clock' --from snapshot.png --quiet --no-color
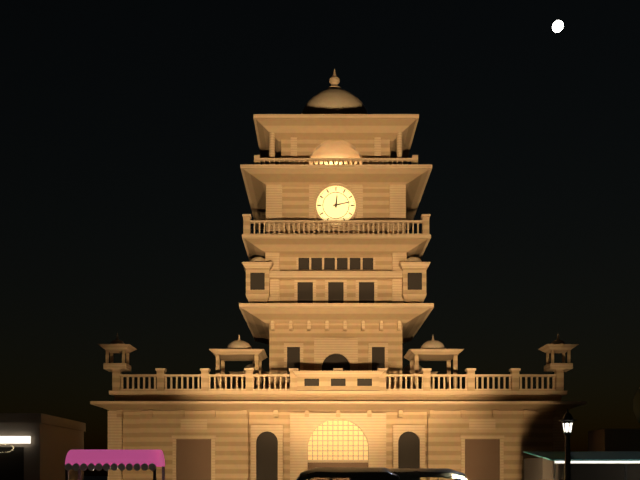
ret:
12:13
